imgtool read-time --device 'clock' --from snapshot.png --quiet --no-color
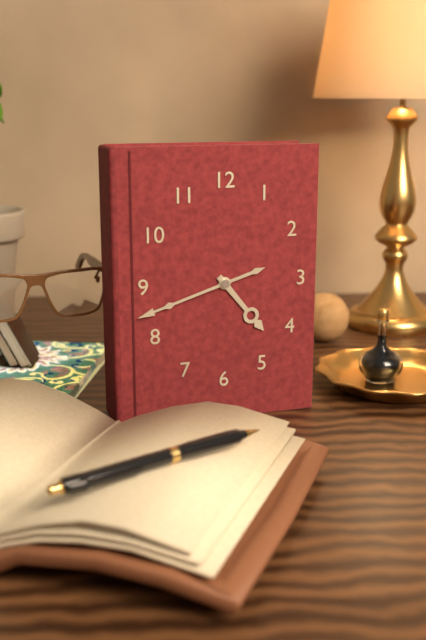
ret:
4:42
